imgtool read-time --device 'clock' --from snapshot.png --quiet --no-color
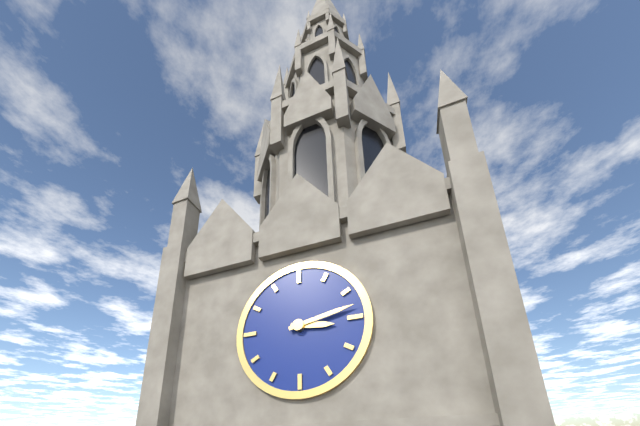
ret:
3:13
